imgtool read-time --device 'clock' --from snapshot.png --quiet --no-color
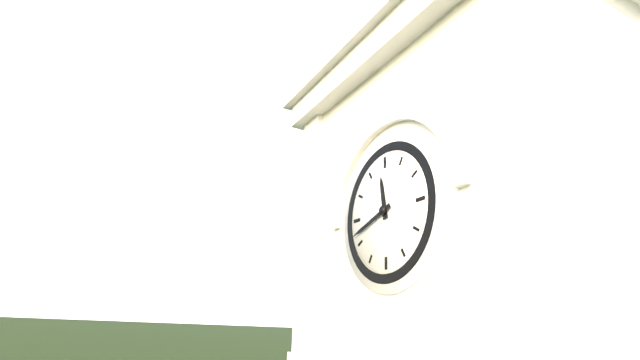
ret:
11:42
